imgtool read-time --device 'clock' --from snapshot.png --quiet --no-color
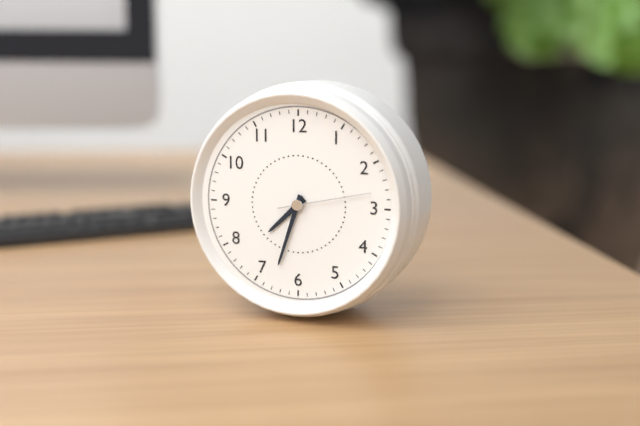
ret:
7:33:13
